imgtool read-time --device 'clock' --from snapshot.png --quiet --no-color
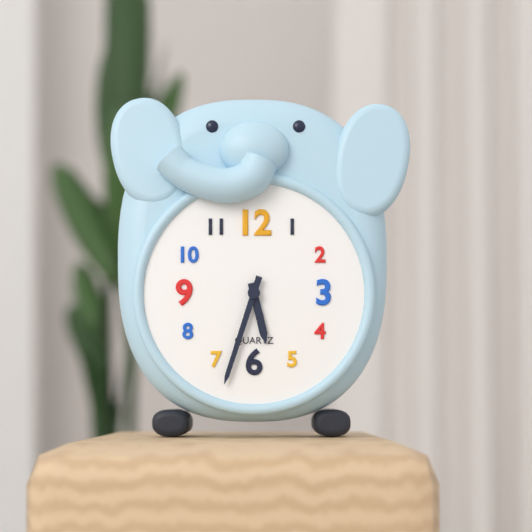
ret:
5:33
